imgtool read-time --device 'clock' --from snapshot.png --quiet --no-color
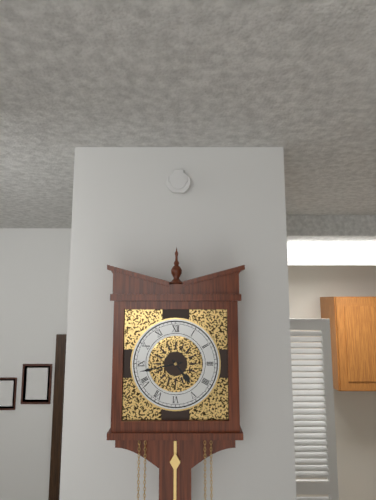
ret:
4:43
